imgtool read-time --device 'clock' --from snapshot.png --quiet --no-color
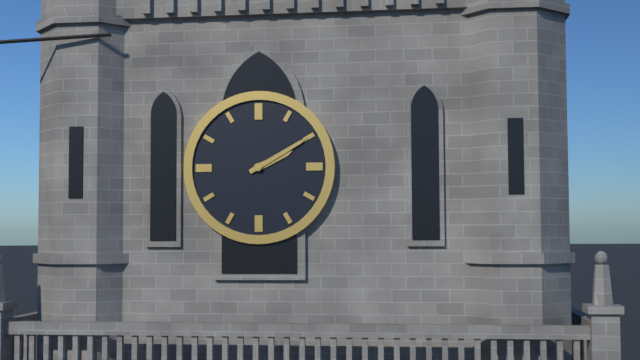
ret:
2:10
